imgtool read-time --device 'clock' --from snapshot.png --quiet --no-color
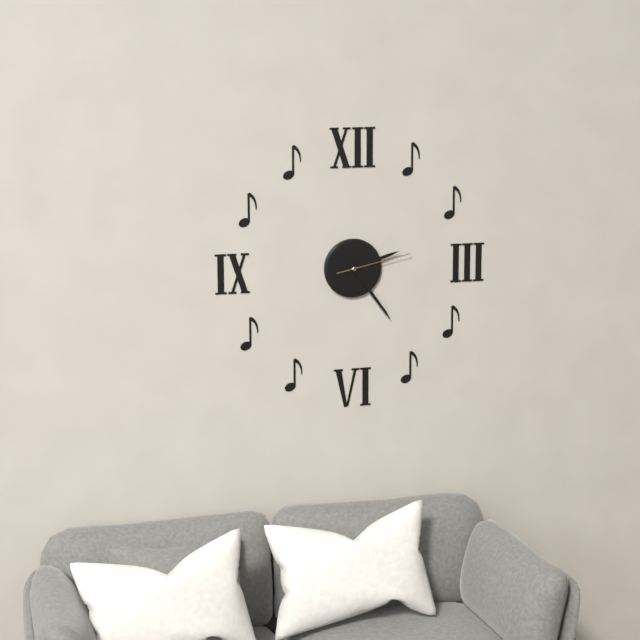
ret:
2:24:13
